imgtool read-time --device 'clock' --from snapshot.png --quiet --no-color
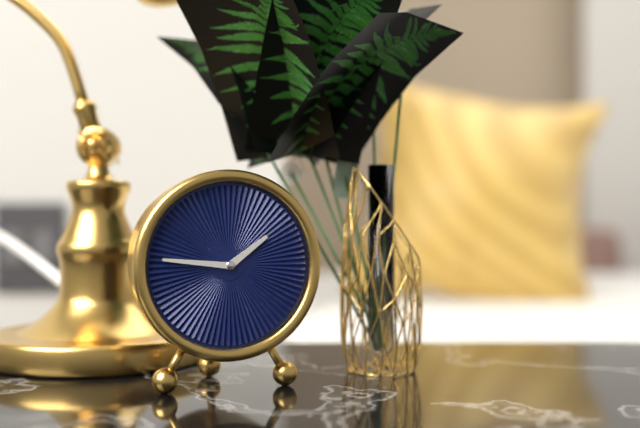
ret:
1:46
